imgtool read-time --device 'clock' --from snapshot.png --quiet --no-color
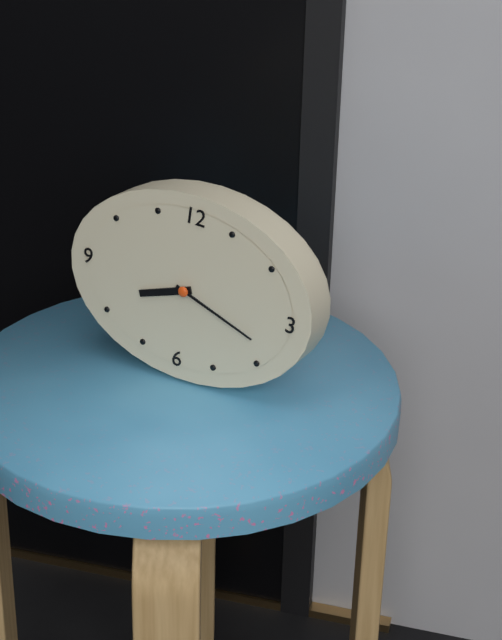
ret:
8:18
